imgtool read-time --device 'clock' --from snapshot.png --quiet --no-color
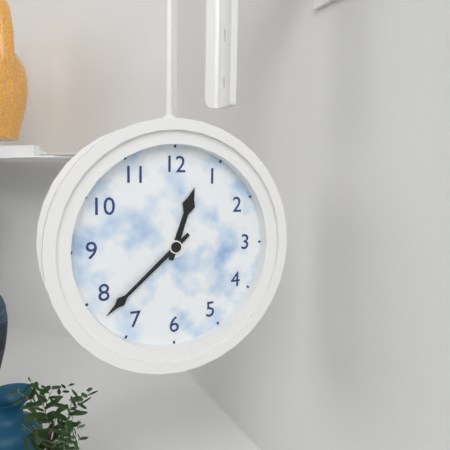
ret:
12:38
